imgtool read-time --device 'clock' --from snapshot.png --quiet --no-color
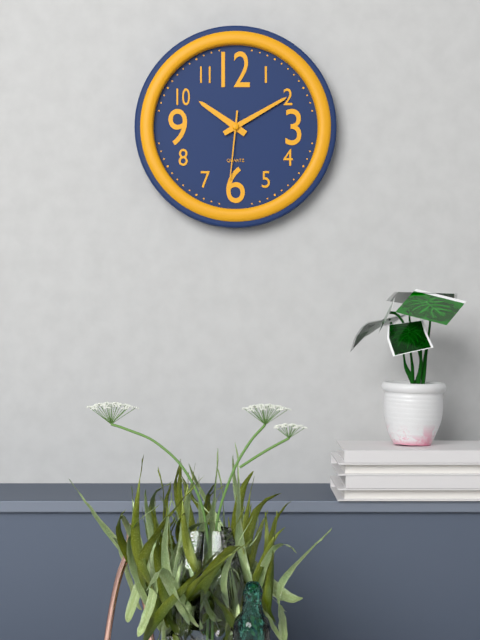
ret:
10:10:31
